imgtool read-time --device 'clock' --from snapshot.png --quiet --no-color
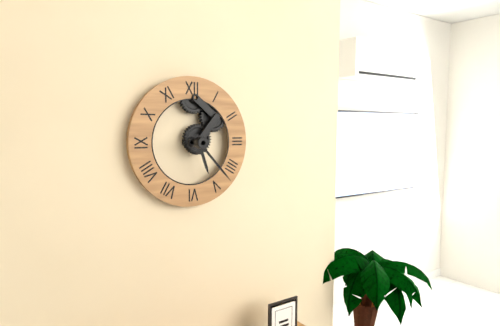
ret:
5:23
